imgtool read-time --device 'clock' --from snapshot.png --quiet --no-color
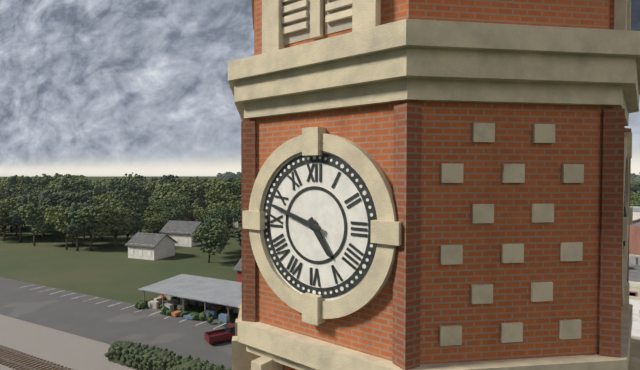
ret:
4:48
